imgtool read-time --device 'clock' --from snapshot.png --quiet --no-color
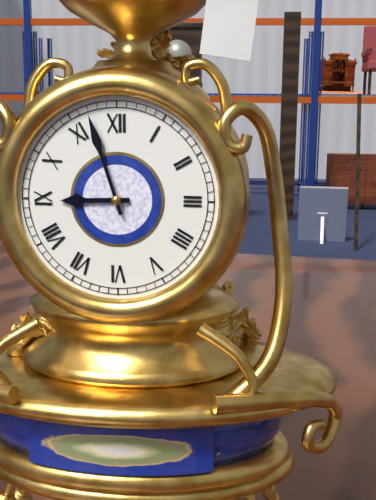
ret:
8:57
